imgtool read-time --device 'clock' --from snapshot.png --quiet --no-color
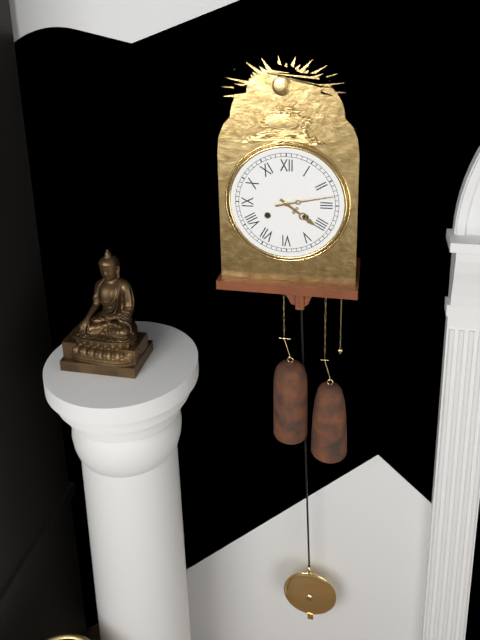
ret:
4:13
